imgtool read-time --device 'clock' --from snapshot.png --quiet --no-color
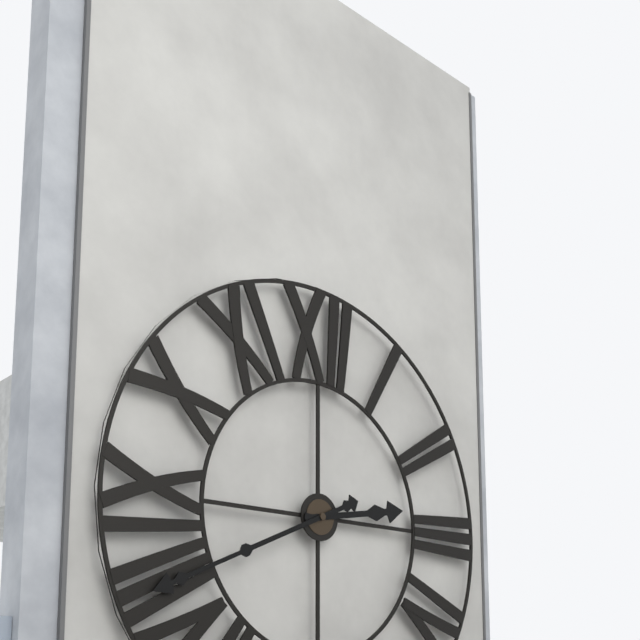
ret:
2:41
